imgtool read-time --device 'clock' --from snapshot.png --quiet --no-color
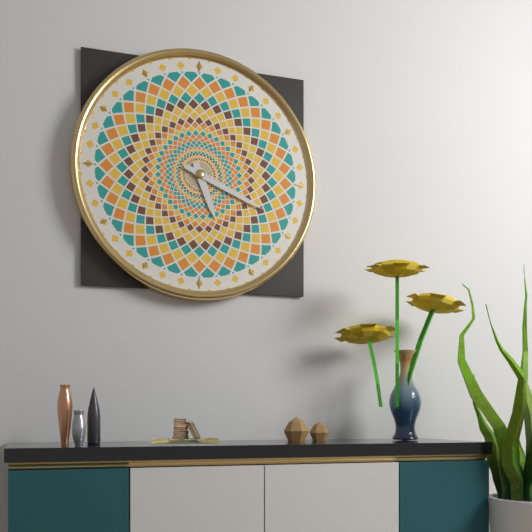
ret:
5:19
